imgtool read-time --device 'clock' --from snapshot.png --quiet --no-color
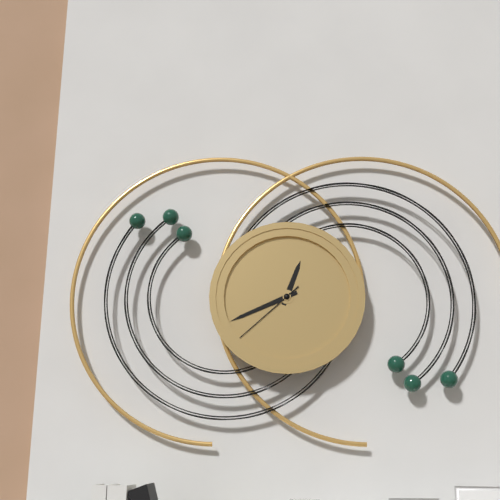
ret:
12:41:38
